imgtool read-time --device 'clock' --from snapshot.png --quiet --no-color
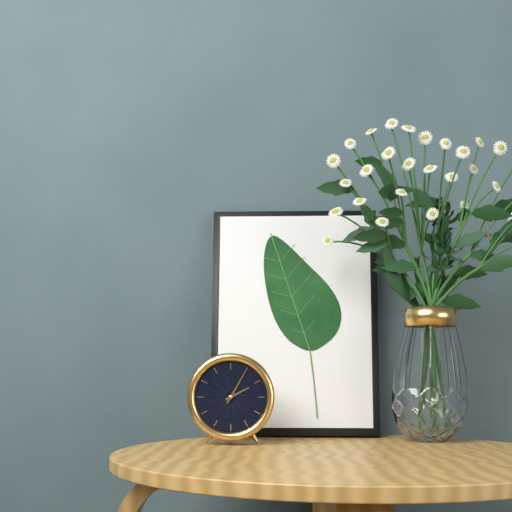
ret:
2:05
